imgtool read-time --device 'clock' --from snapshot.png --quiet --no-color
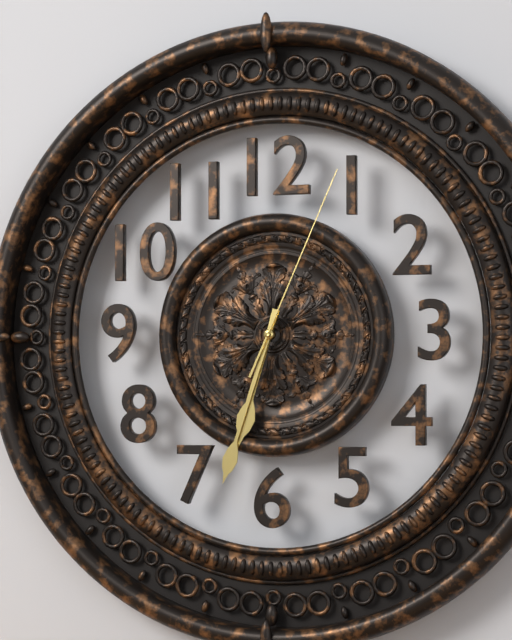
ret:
6:33:04
